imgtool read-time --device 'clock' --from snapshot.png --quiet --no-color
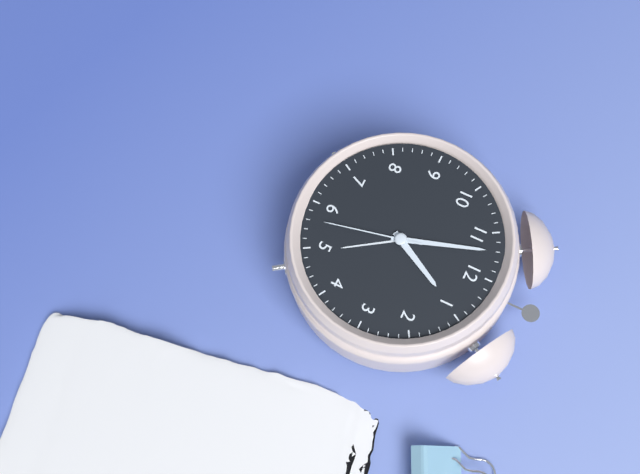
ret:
12:57:28
